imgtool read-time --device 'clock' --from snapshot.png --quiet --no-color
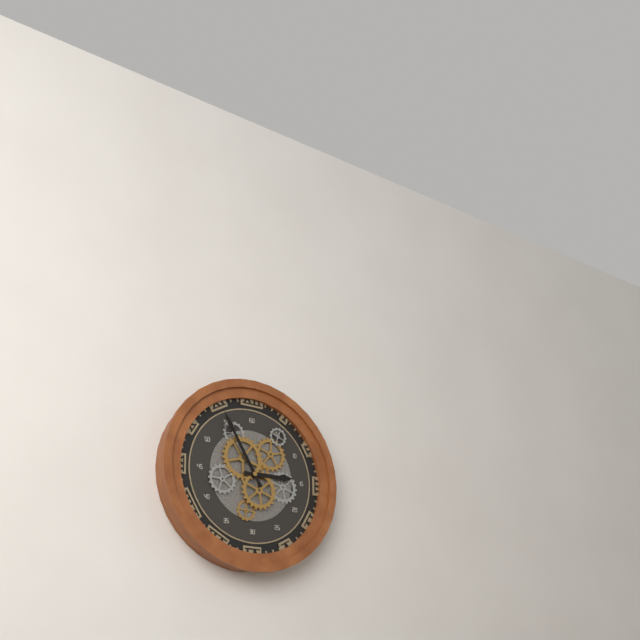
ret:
2:55
